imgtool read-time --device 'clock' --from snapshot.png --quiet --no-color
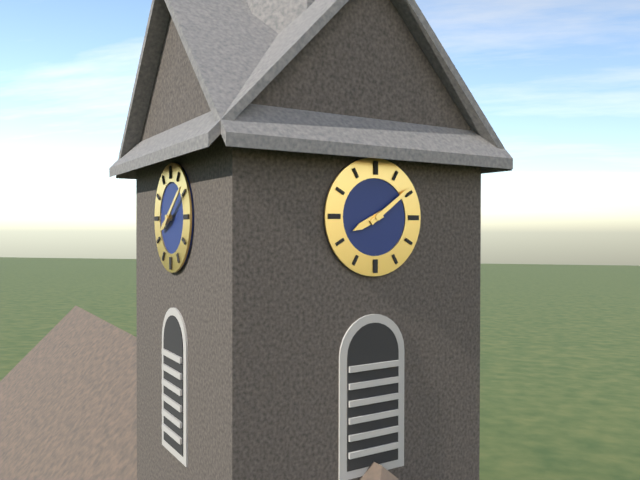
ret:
8:09
